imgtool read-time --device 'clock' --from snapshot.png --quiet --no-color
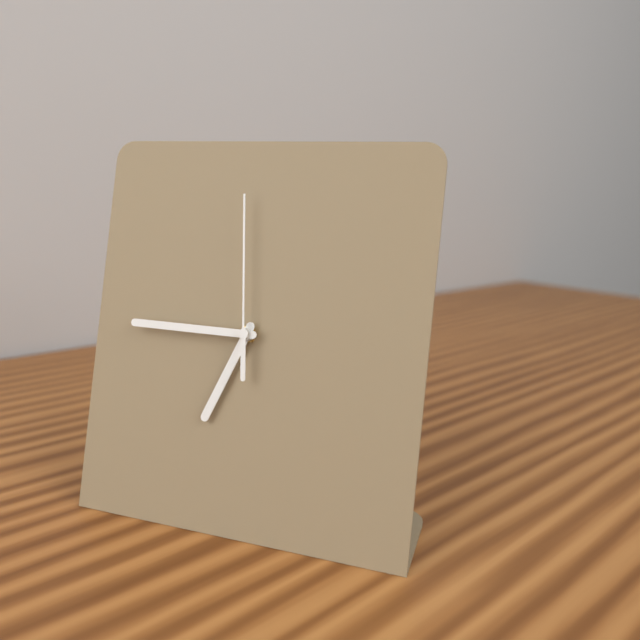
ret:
6:45:59
